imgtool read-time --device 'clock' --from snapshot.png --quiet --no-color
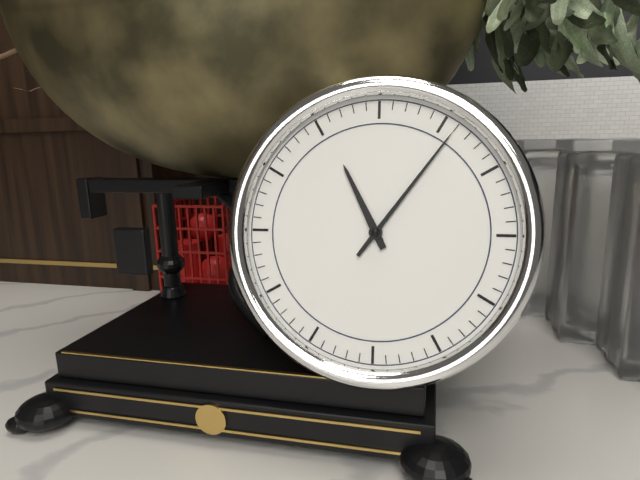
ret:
11:06
